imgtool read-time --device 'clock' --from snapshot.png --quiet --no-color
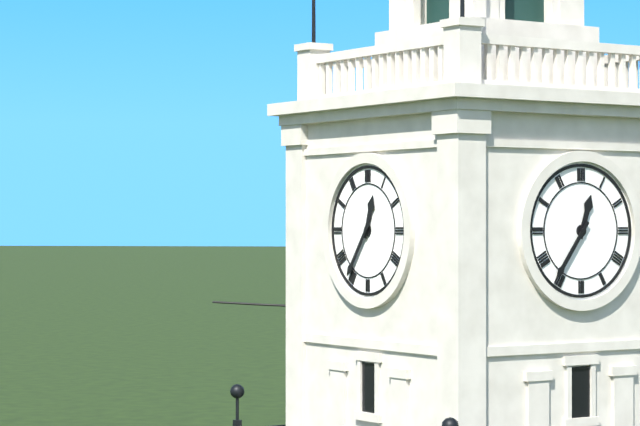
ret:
12:36
